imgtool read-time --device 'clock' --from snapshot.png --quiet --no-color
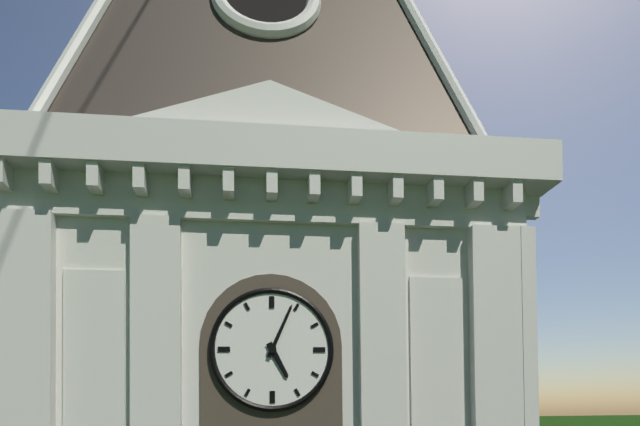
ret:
5:04
